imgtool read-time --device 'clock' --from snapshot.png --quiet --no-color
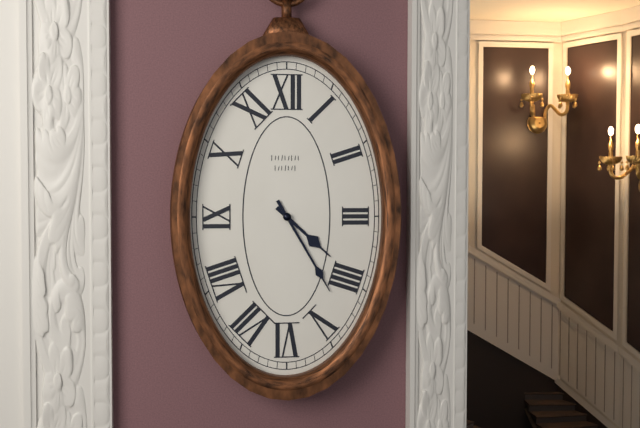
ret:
4:25
